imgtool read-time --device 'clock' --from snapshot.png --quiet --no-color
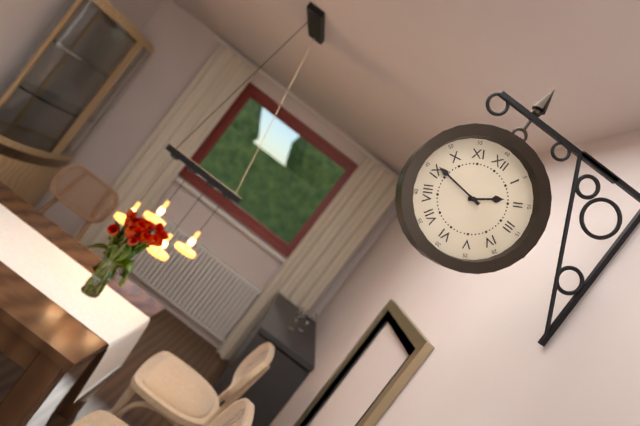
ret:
1:46
